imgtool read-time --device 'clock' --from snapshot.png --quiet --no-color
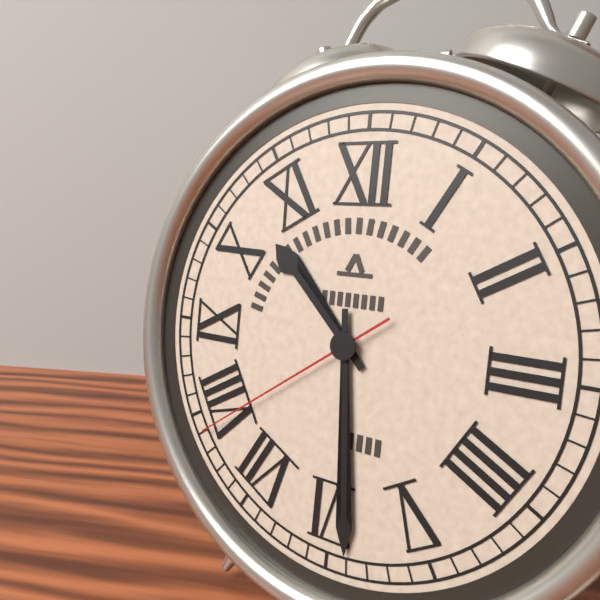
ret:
10:29:39
